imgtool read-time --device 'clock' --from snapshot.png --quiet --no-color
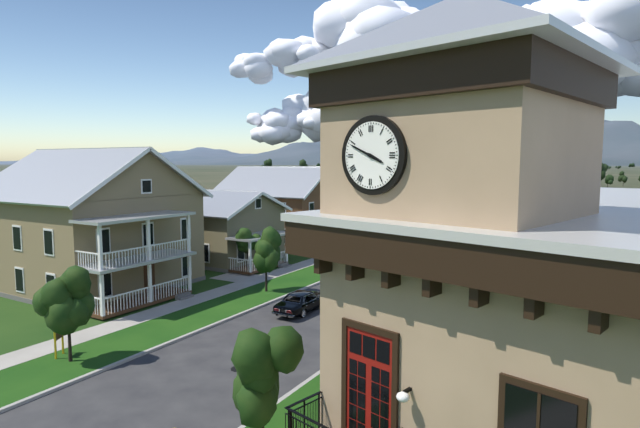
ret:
3:49
